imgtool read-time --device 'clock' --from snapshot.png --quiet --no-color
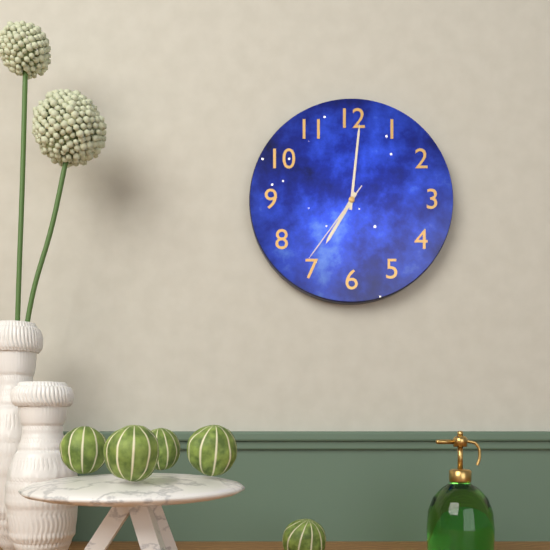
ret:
7:01:36
